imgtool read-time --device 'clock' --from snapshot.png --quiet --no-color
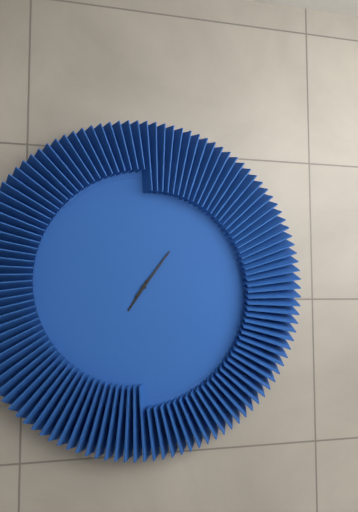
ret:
7:06
